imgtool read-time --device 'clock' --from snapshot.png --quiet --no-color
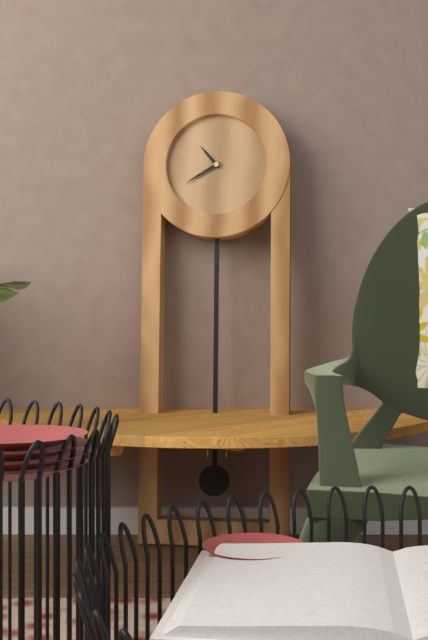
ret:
10:40
